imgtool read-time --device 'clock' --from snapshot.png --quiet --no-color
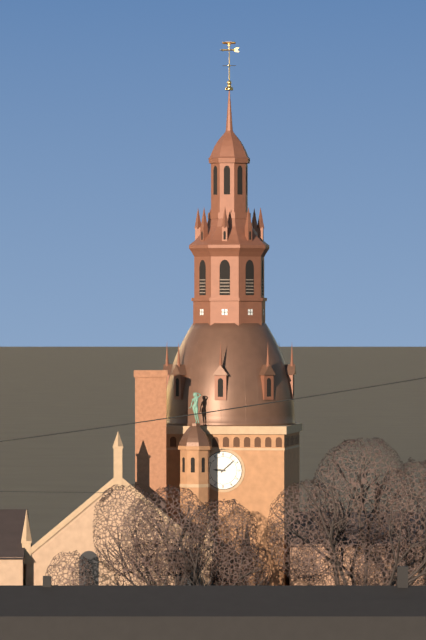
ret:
9:08
